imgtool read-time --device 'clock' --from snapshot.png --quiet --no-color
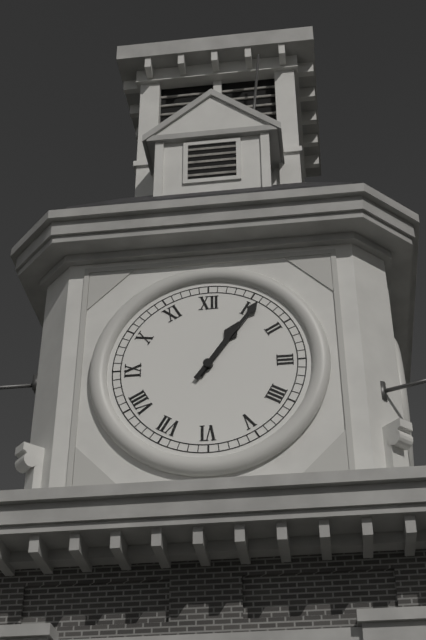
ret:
1:06
